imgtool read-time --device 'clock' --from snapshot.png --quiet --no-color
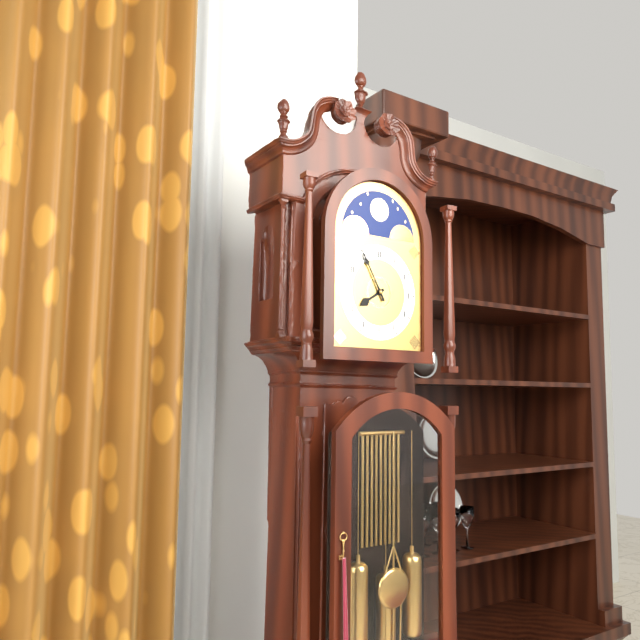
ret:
7:55
